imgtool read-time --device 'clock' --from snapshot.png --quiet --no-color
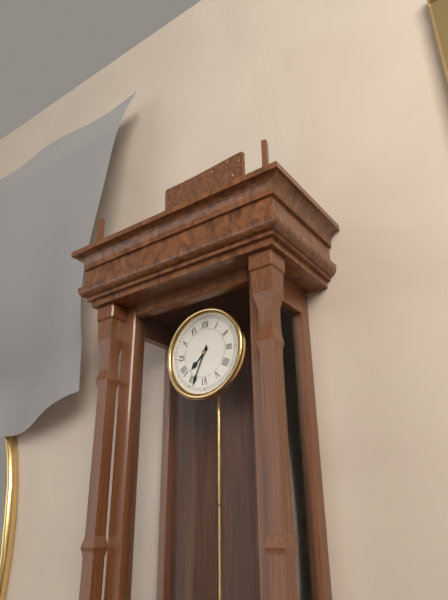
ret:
7:34
